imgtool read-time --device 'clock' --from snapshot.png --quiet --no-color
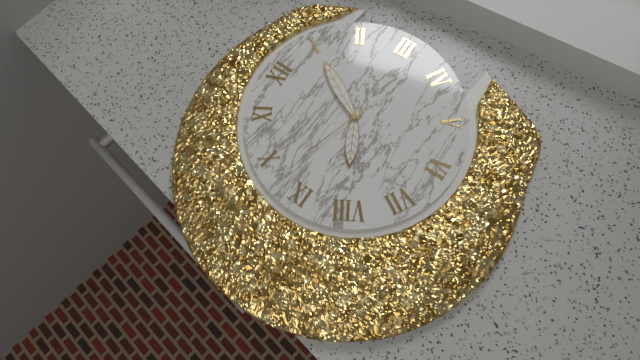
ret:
8:05:48
